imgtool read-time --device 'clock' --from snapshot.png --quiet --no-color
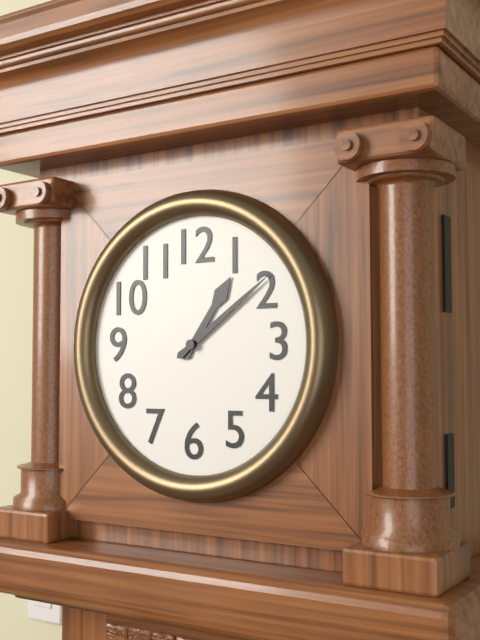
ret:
1:09
